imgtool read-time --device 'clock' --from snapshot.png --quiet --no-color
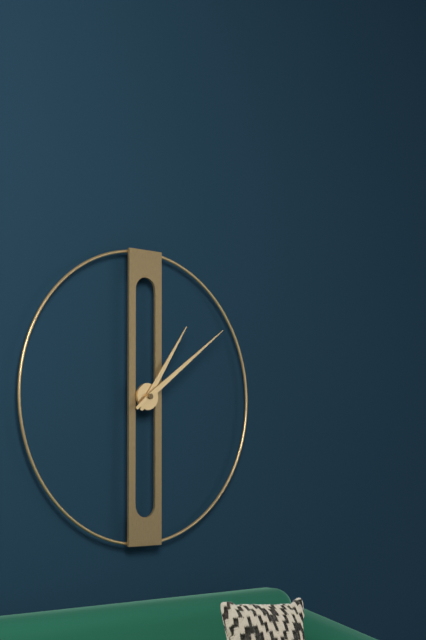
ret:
1:09
